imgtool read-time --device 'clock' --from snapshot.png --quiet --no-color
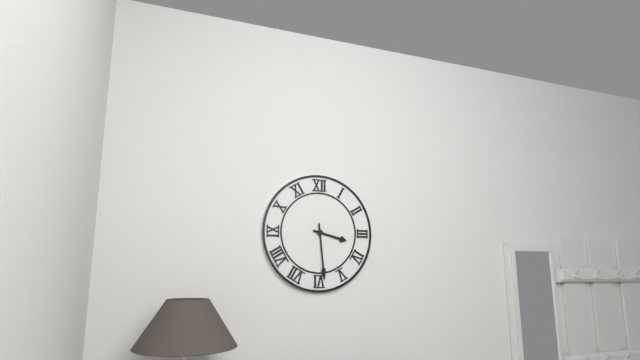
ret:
3:29
